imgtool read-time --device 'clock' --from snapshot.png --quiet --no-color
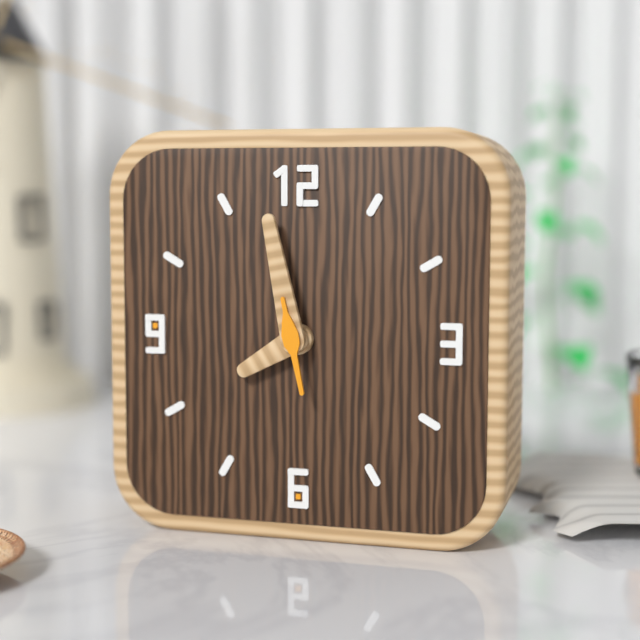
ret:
7:58:28
